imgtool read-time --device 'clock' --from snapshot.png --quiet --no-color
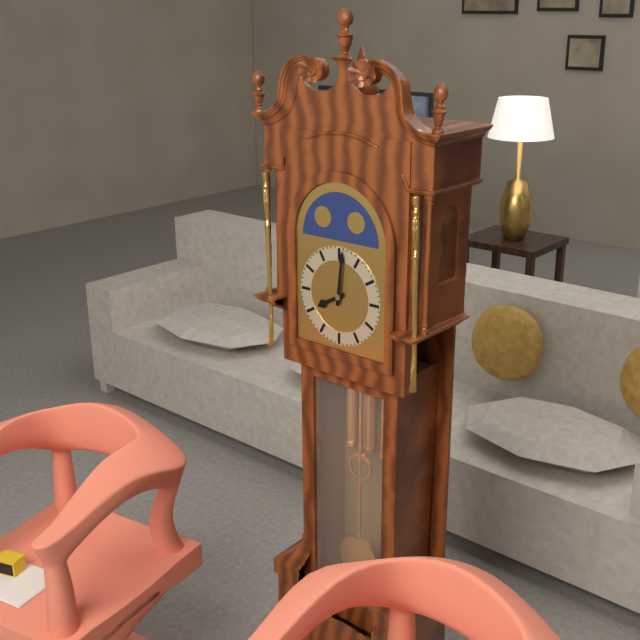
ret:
8:01
